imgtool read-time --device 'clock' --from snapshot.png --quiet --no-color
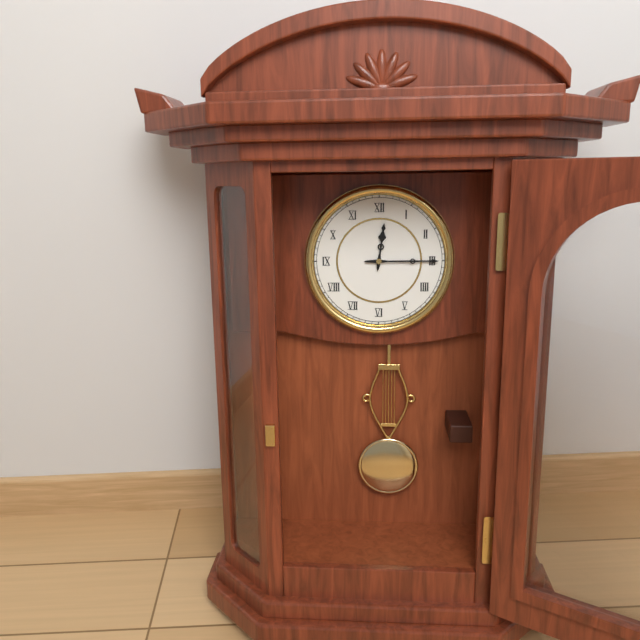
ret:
12:15
